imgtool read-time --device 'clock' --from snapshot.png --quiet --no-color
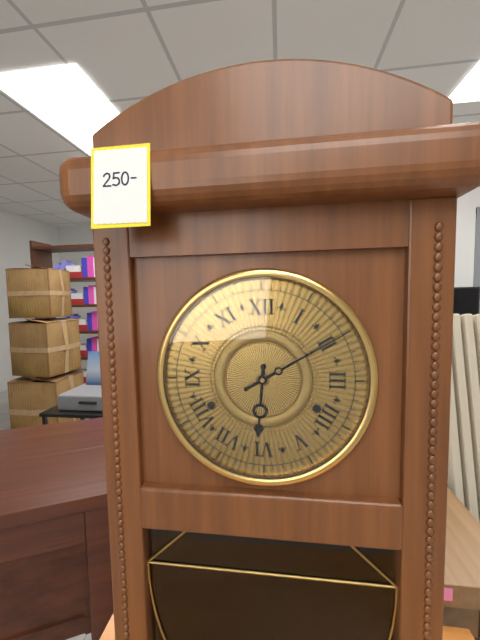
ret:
6:10
